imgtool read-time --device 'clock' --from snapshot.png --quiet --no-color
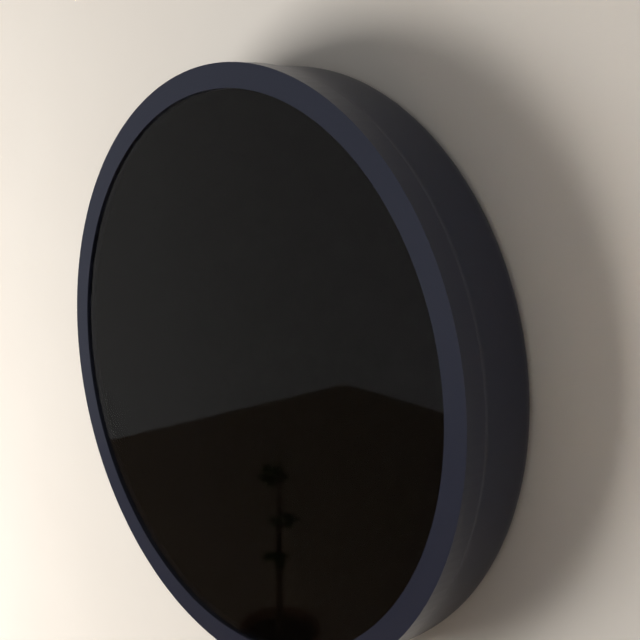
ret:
9:25
